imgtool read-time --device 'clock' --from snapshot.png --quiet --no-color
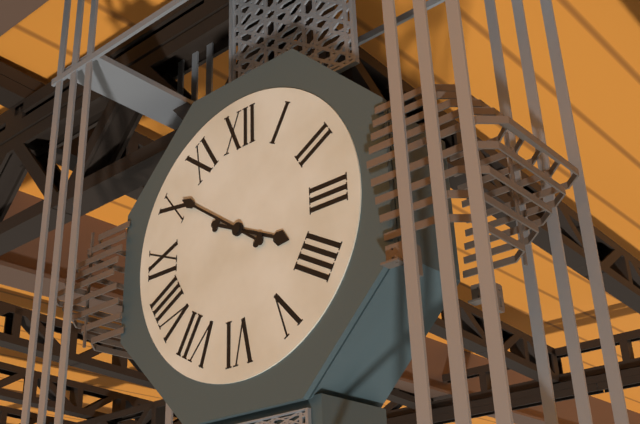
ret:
3:51
